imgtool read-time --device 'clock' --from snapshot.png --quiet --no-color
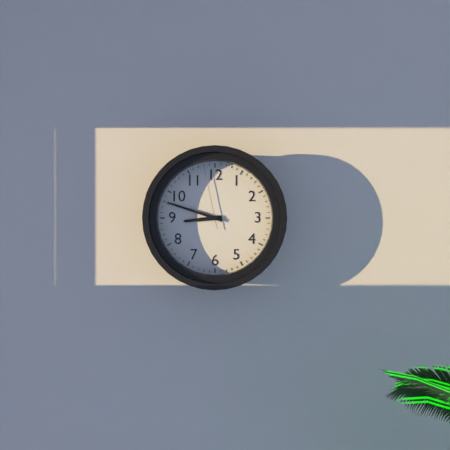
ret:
8:48:58
